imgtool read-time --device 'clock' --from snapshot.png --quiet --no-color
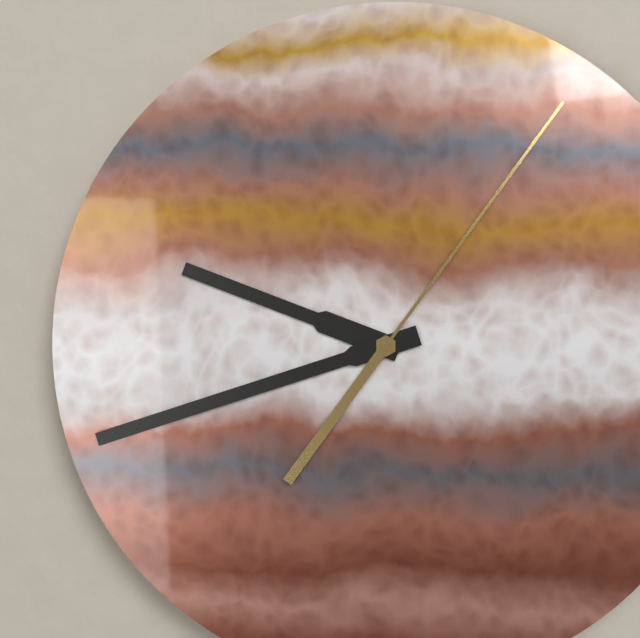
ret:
9:42:06
